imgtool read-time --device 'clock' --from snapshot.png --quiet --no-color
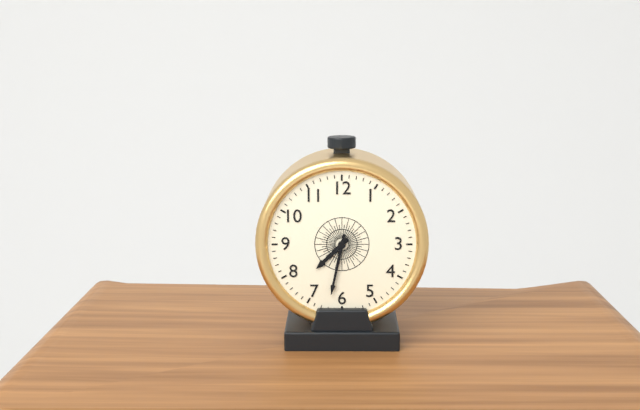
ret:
7:32
